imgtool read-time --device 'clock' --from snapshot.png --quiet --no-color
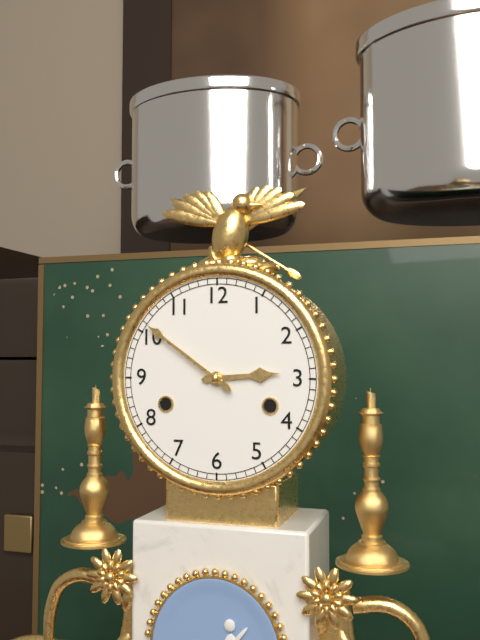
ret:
2:51
